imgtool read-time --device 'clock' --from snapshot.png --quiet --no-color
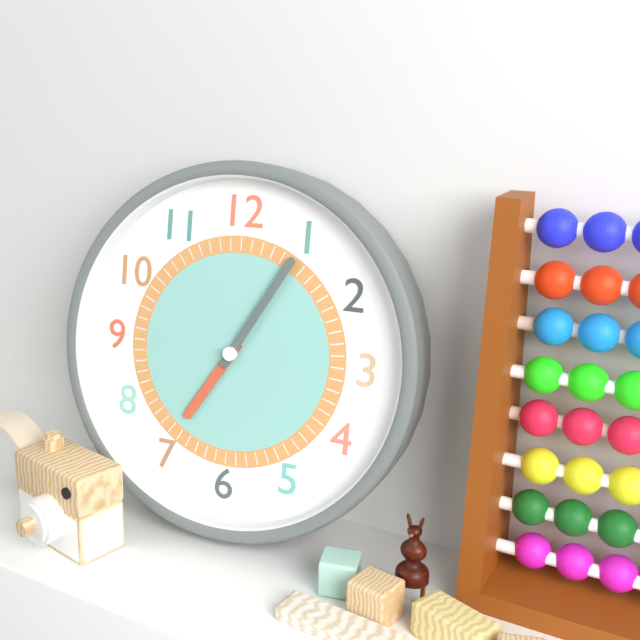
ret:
7:05
